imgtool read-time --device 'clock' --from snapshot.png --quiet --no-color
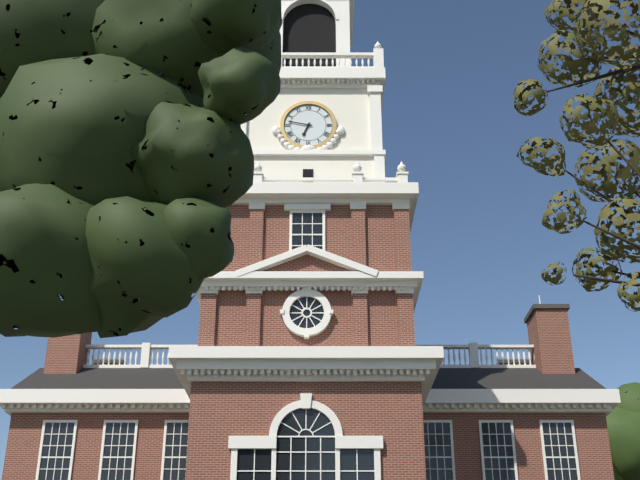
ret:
6:47
